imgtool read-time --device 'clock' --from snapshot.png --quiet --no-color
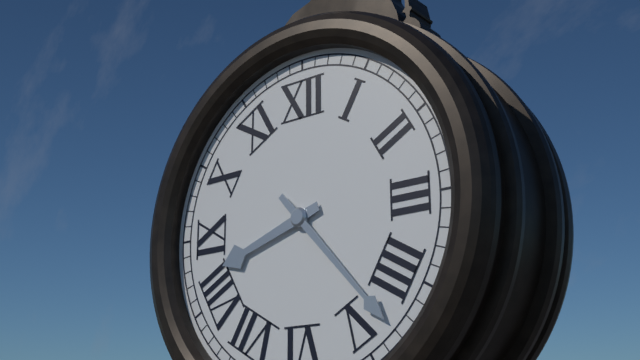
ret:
8:23
